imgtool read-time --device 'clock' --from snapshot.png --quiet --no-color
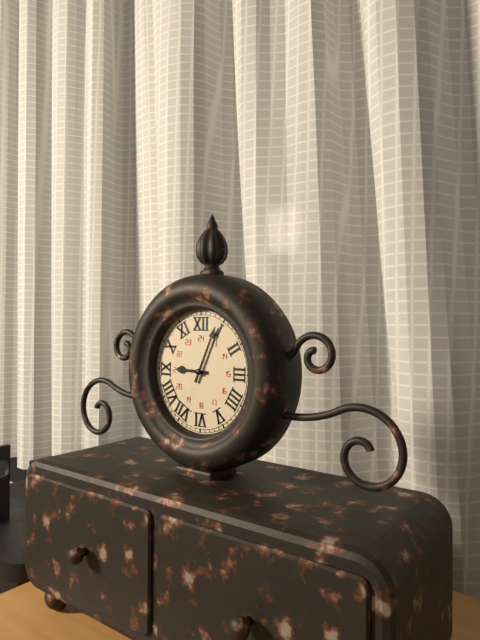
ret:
9:04
